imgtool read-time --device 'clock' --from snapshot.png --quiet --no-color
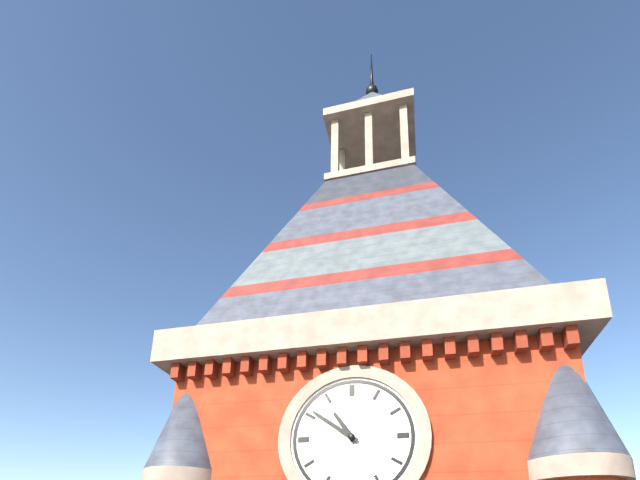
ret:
10:51
